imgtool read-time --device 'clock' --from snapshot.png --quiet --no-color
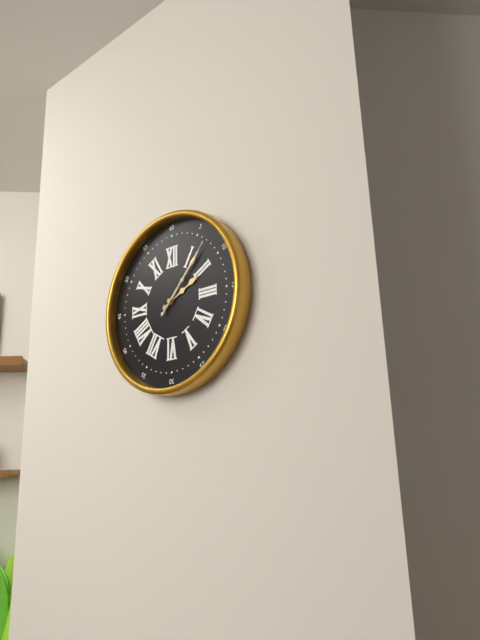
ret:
2:07:07
